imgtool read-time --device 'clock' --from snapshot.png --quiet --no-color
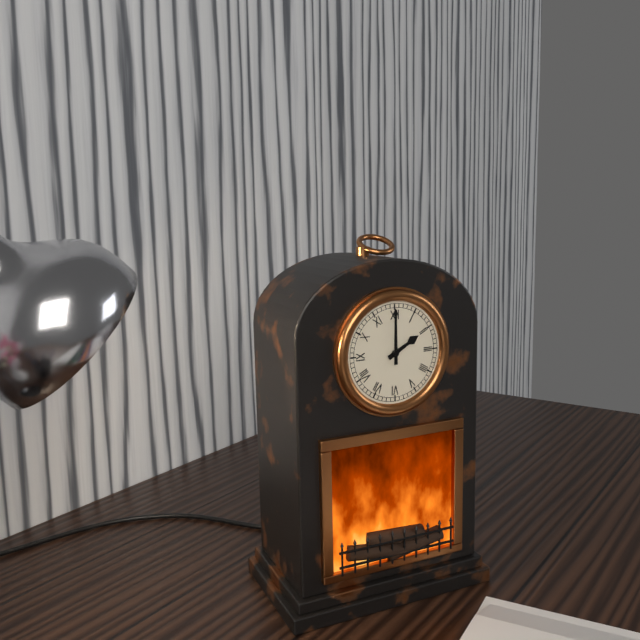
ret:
2:00
